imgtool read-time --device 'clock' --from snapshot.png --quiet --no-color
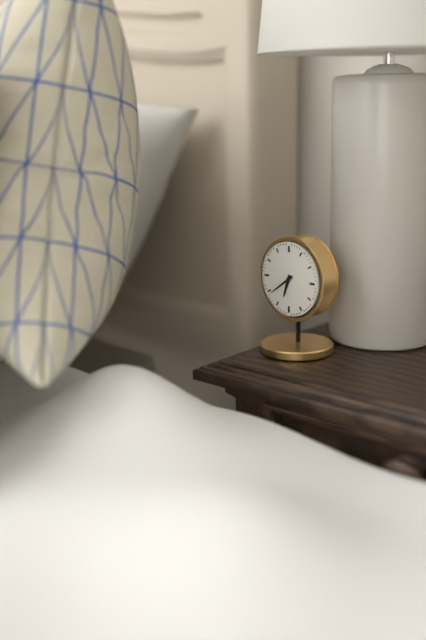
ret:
6:39
